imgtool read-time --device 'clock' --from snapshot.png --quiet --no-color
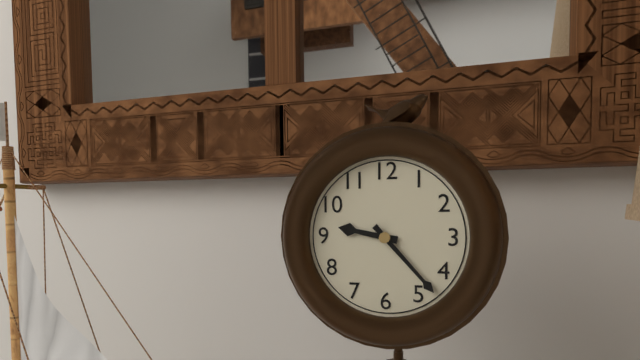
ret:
9:23
